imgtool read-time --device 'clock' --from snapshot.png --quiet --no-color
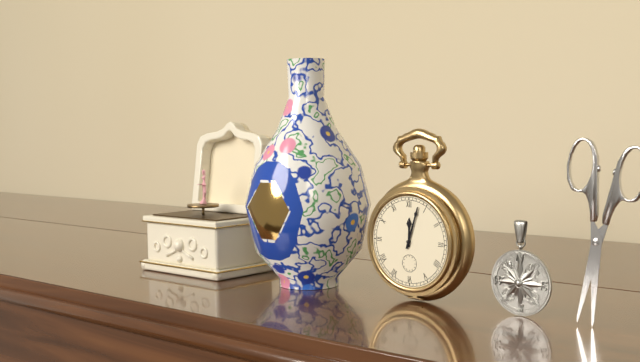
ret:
12:03
